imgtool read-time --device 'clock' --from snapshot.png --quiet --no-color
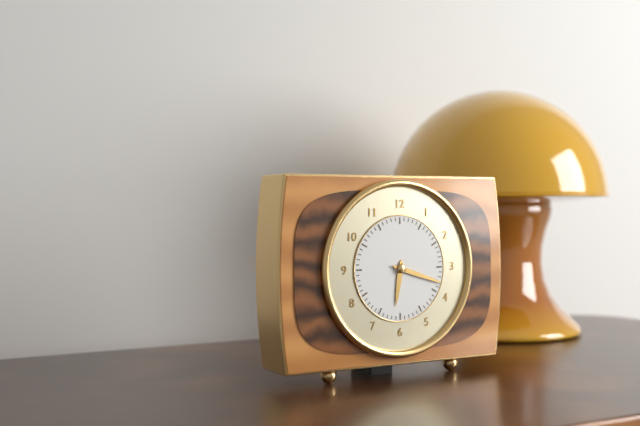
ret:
6:18
